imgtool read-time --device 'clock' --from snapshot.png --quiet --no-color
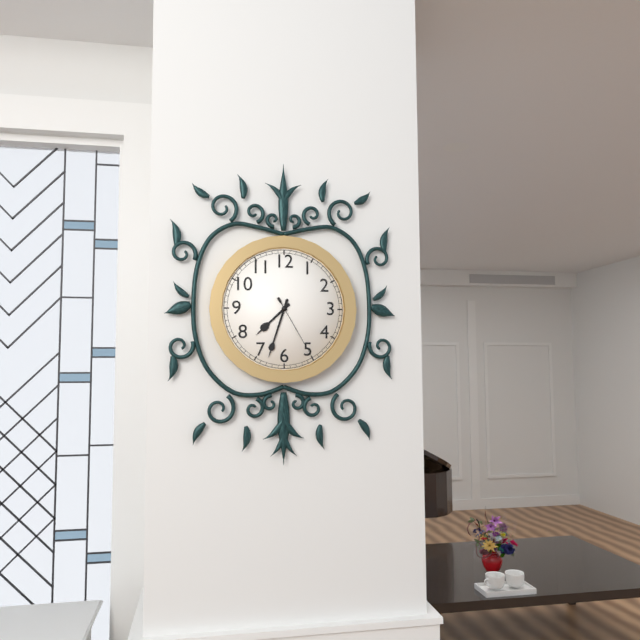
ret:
7:33:25
